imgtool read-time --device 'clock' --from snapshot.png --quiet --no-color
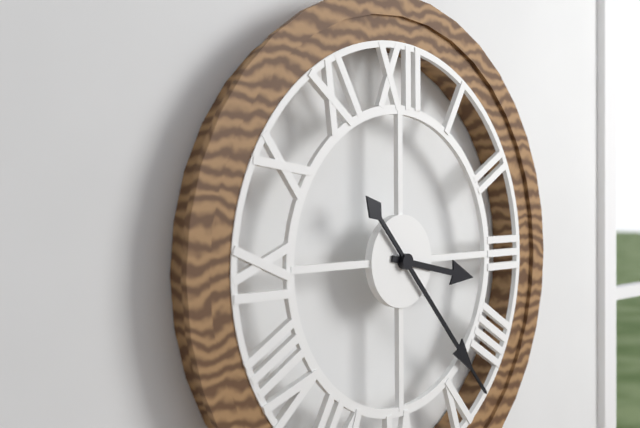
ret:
3:23
